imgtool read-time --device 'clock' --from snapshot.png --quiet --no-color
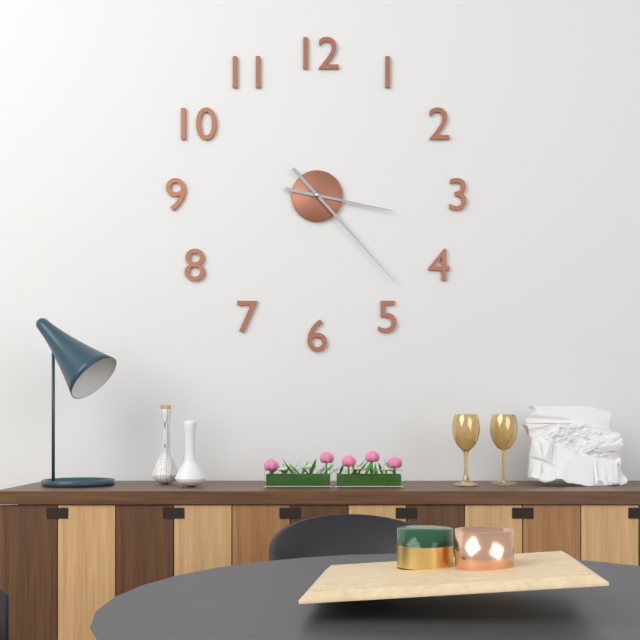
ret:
3:23
